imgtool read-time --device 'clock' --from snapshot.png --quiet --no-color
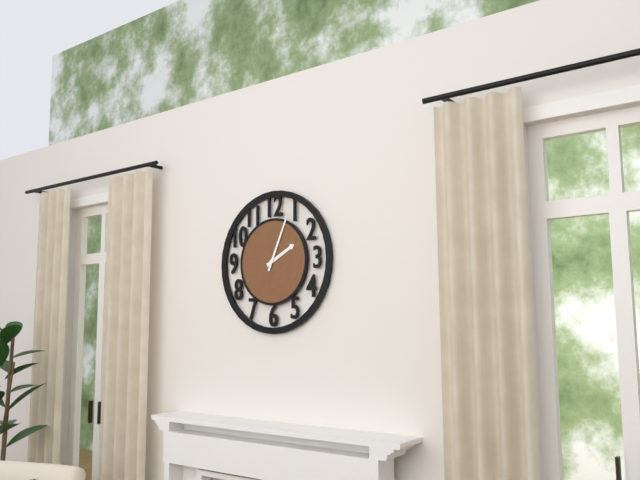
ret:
2:04
